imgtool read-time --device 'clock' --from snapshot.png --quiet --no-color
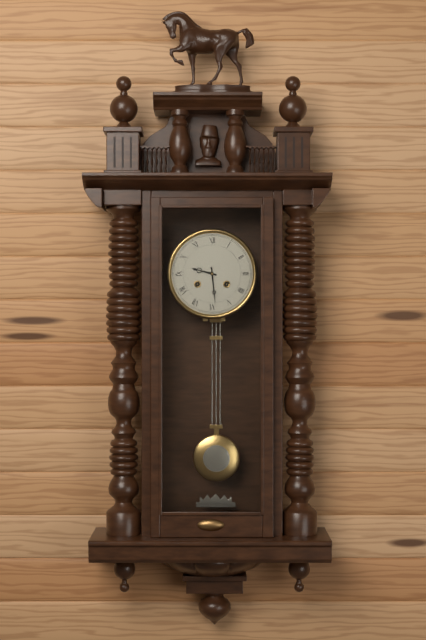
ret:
9:29
